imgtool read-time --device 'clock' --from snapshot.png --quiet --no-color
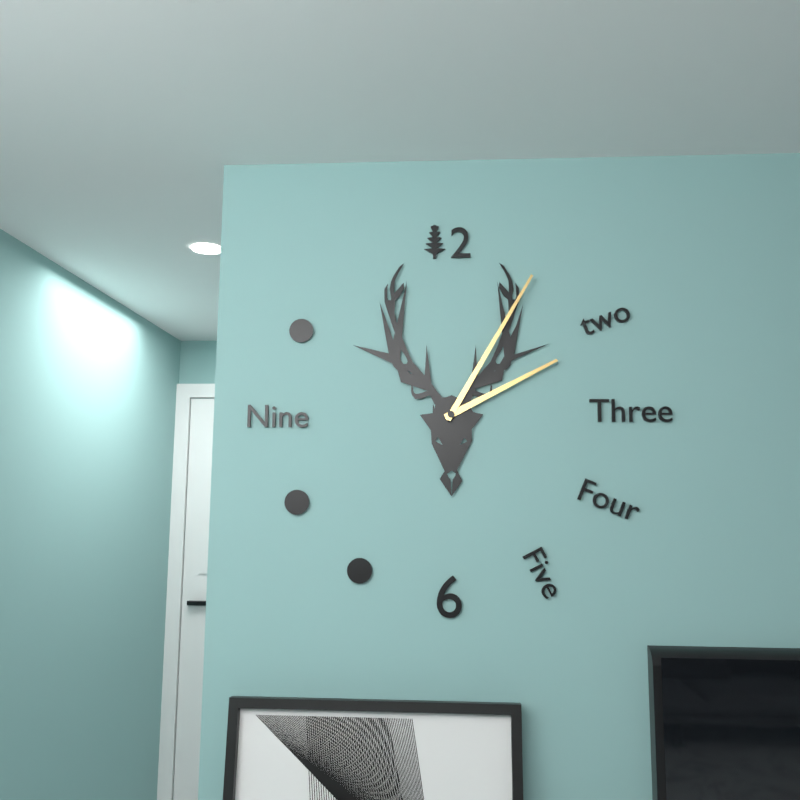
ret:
2:05
